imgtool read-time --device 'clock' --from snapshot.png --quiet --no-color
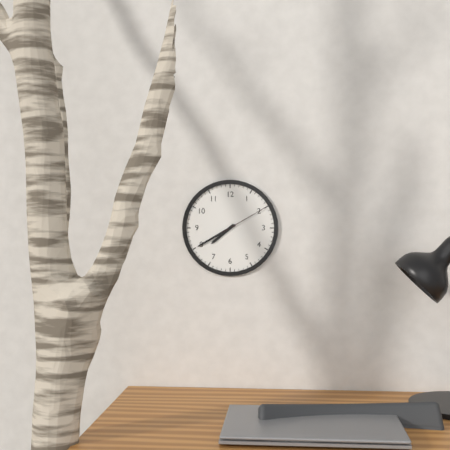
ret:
7:40:10
